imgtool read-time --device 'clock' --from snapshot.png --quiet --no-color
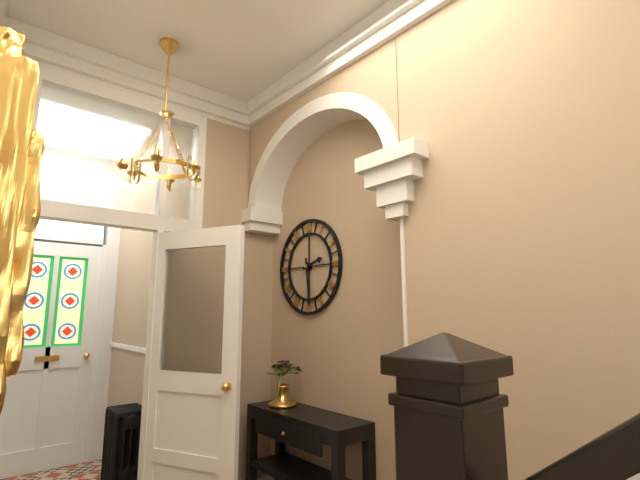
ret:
2:29
